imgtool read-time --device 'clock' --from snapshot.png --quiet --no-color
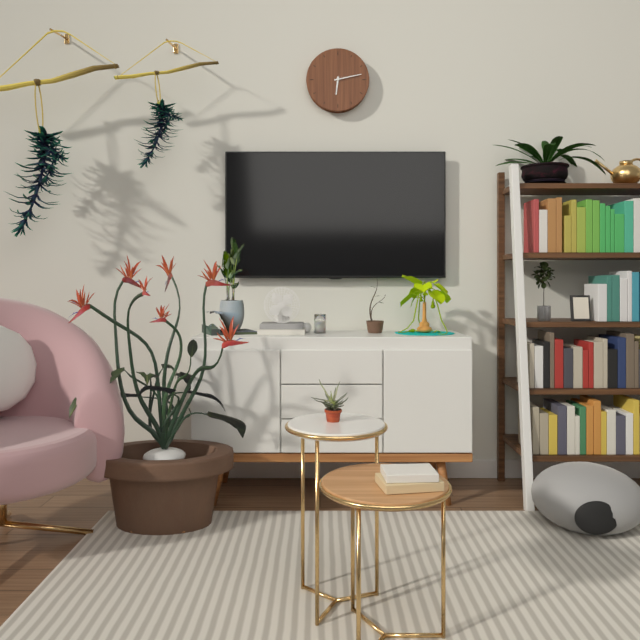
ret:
6:13
